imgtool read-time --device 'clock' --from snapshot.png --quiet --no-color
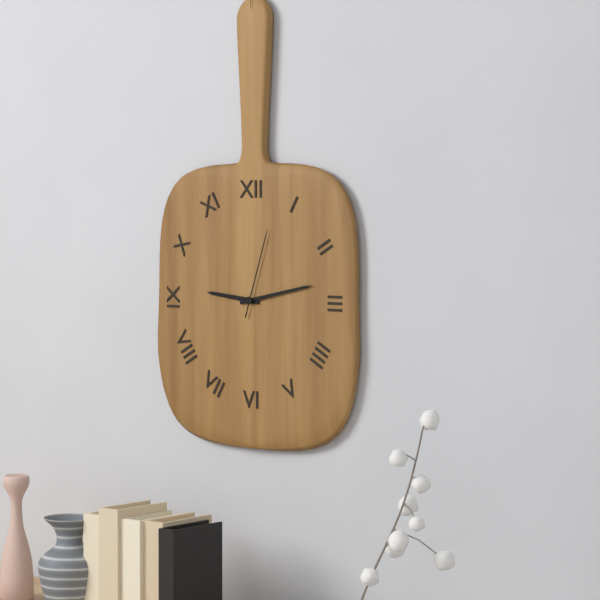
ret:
9:13:03
